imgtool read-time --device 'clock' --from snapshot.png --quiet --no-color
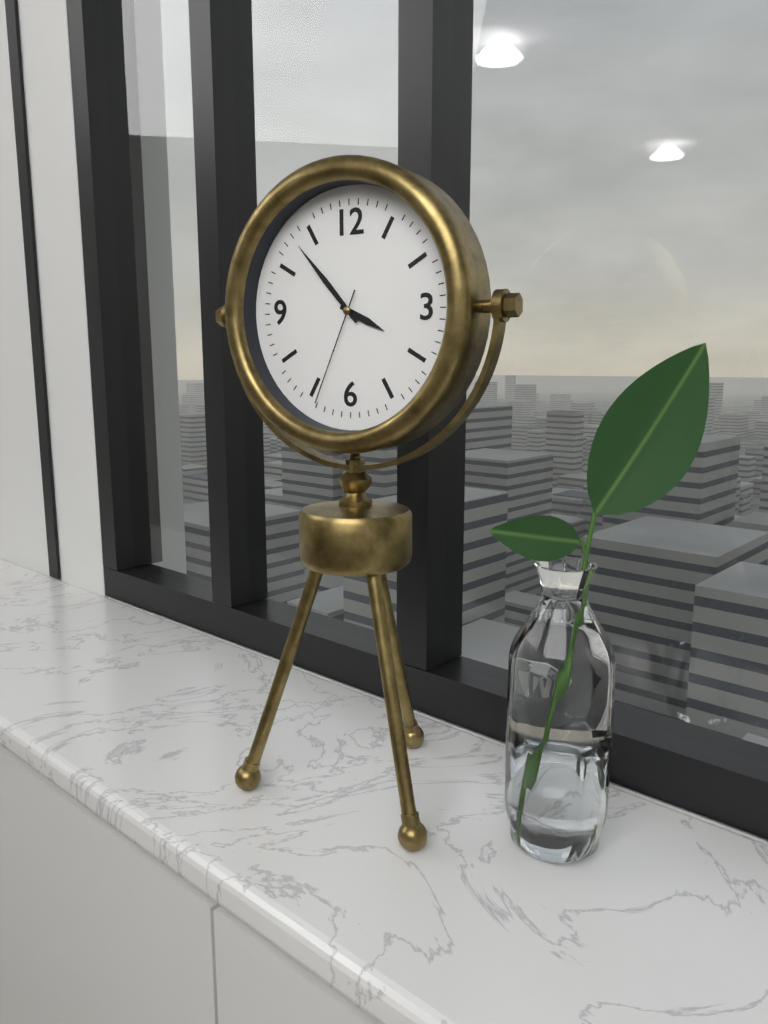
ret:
3:53:34
